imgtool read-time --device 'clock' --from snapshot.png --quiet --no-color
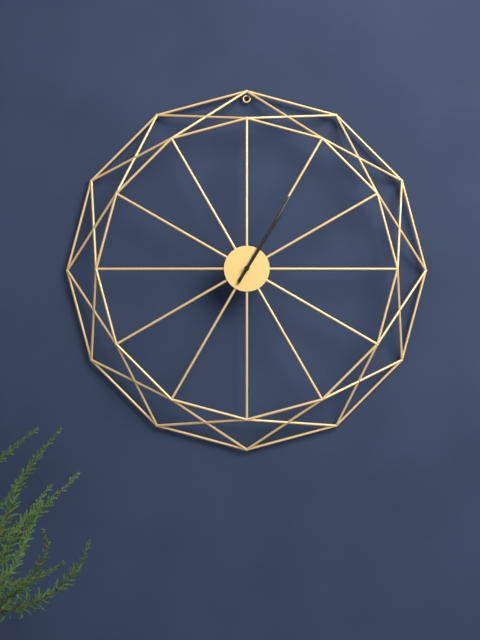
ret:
1:05
